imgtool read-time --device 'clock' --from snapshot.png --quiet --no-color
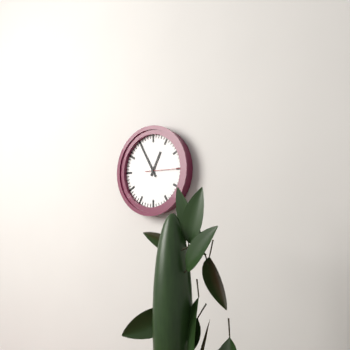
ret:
12:55
